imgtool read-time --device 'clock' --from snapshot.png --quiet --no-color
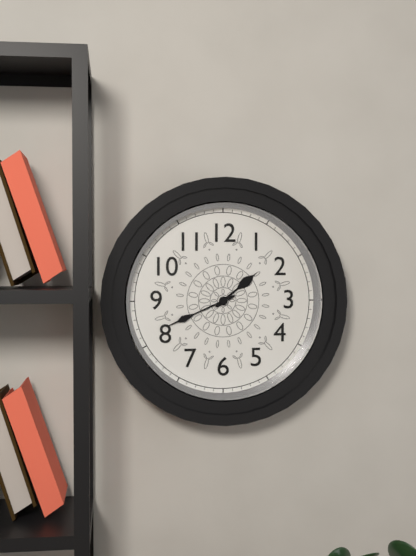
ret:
1:41
